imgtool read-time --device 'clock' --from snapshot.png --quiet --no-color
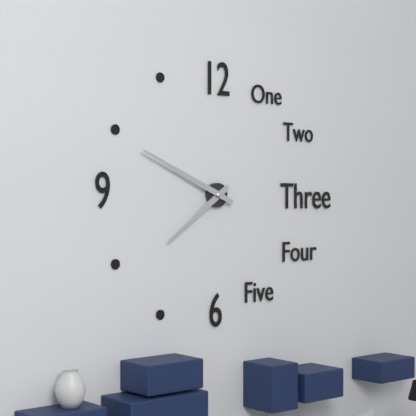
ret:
7:49
